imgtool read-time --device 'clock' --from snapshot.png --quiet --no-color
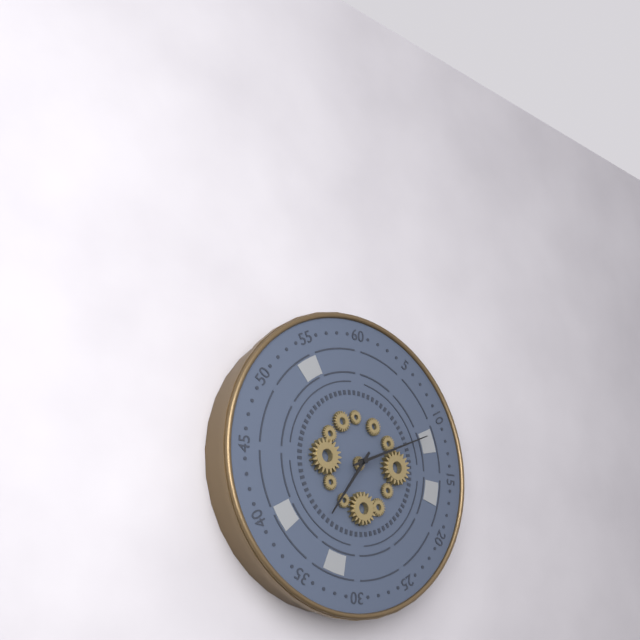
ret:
7:11
